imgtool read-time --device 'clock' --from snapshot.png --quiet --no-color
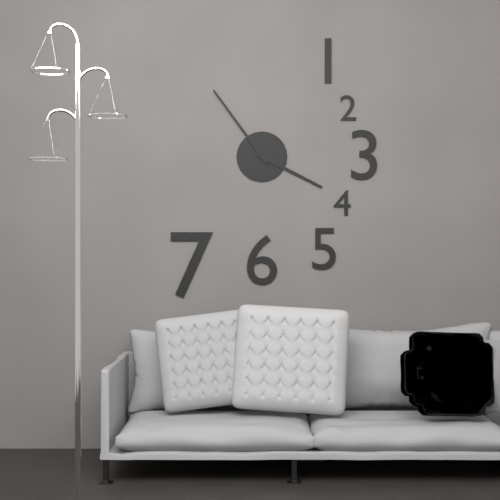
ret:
3:54
